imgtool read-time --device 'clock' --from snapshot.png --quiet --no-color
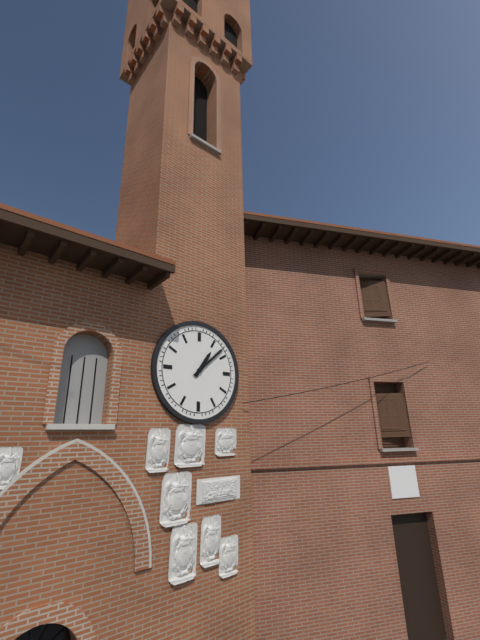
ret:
1:08
